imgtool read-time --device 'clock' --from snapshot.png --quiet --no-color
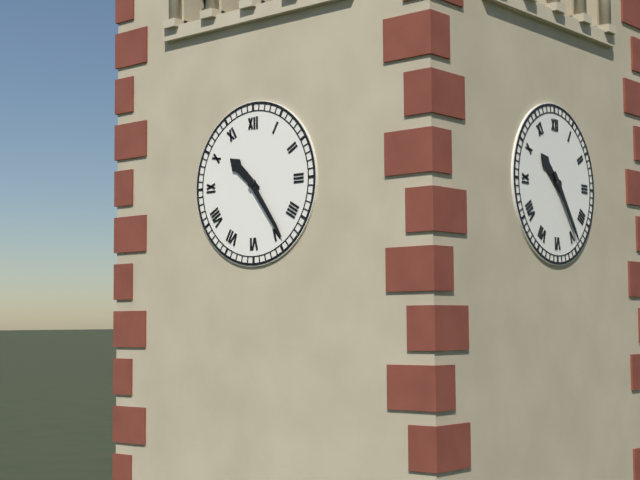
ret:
10:24
